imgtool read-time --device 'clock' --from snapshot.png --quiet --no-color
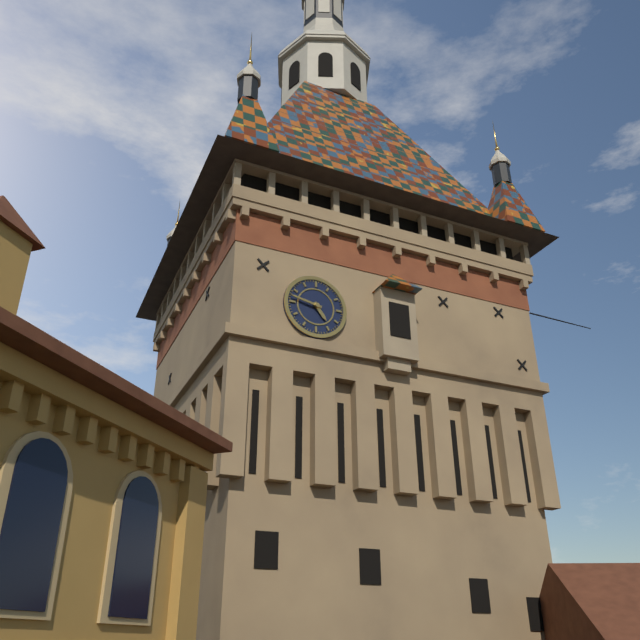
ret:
4:47
